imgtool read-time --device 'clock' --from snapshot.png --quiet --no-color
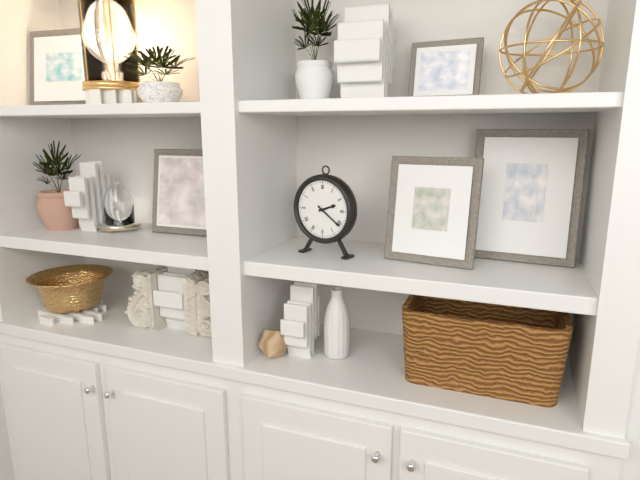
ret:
2:21
